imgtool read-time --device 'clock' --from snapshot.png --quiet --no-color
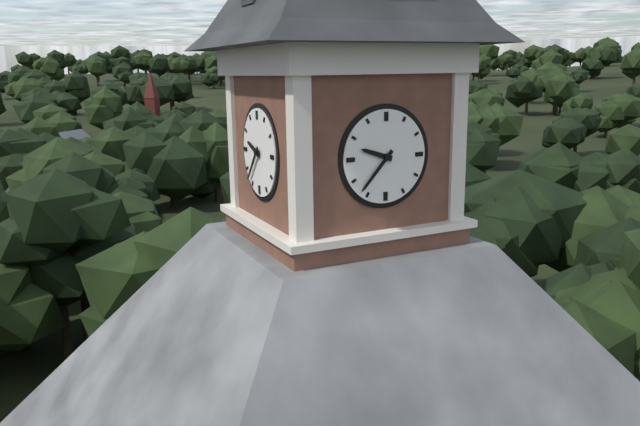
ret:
9:37
